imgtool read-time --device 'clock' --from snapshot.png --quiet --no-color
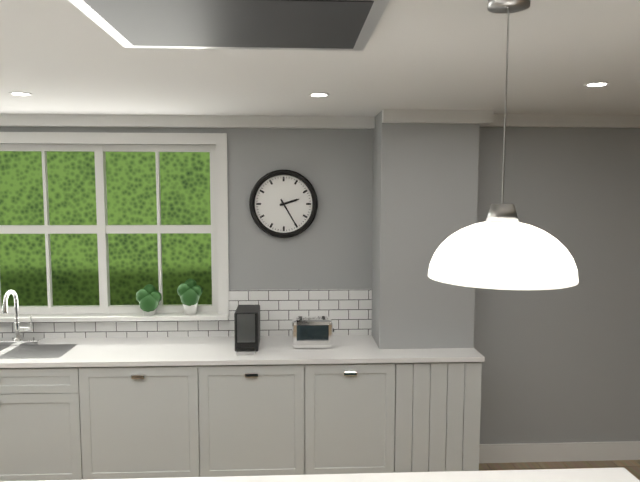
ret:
2:25
